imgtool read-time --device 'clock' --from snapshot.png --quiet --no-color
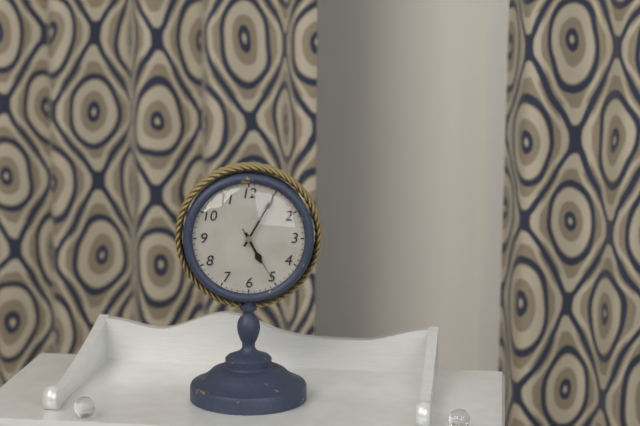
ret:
5:05:25
